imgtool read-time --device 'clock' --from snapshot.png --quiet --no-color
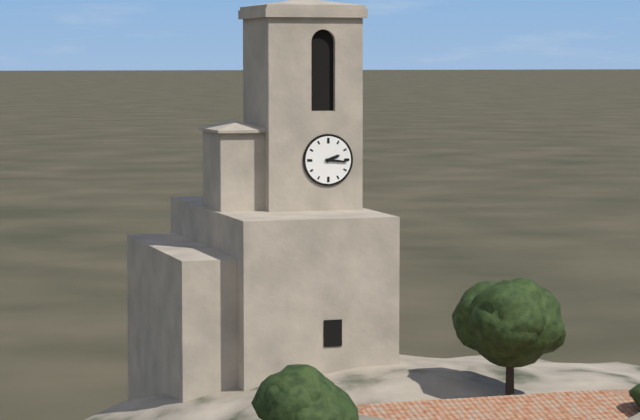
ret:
2:16
